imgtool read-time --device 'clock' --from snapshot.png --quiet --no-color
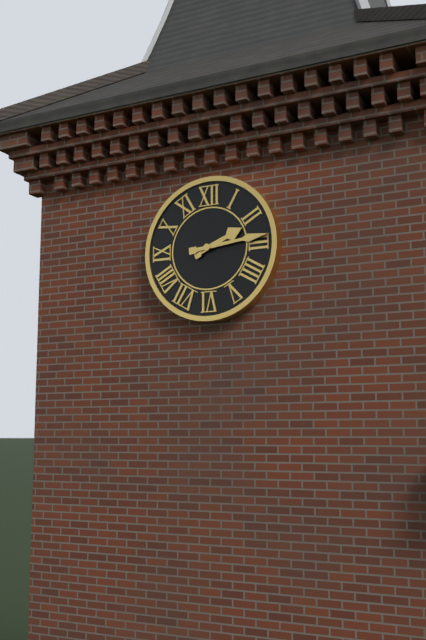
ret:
2:14
